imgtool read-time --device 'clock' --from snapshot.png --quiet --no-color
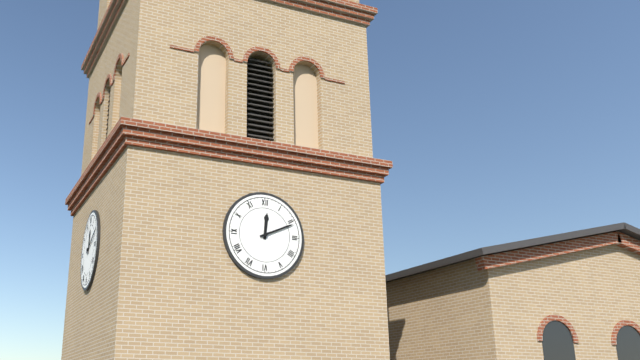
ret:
12:11
